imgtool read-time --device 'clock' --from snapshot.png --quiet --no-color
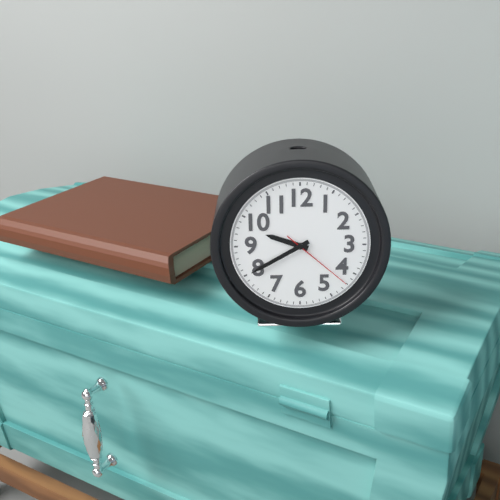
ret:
9:40:22
